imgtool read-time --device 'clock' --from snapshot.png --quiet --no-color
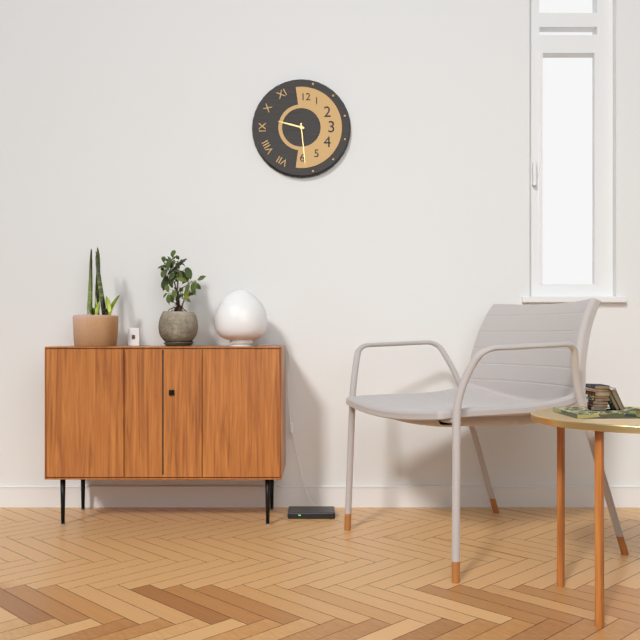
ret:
9:29
